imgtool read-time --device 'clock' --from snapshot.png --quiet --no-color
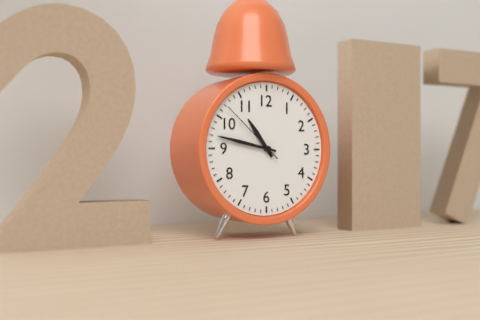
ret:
10:47:52
